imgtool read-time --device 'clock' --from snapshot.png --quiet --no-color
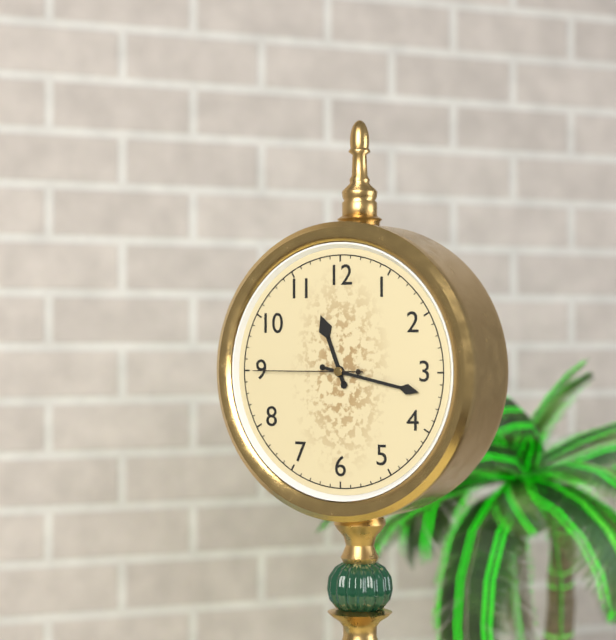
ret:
11:17:45
